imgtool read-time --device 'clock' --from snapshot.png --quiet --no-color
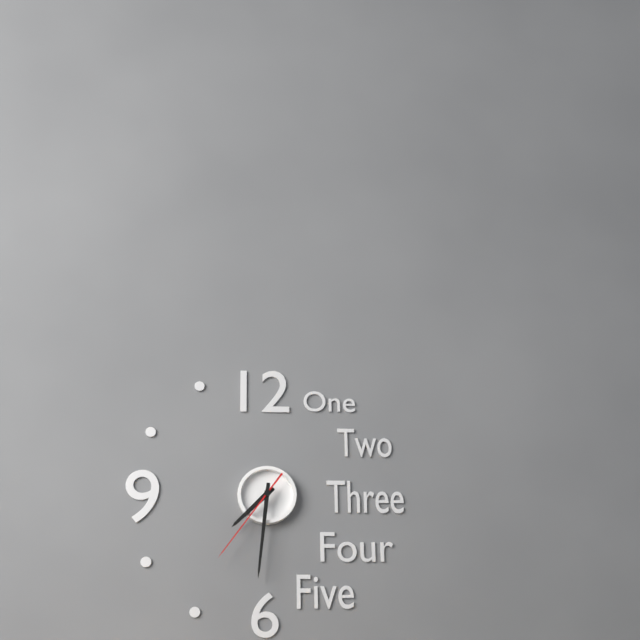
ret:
7:31:36
